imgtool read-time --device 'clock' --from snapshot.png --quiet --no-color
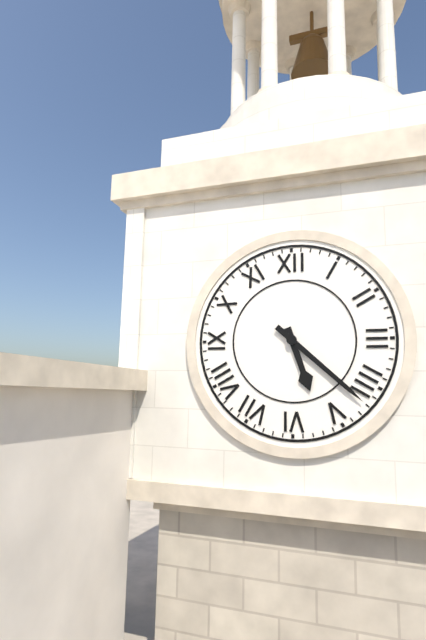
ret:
5:22
